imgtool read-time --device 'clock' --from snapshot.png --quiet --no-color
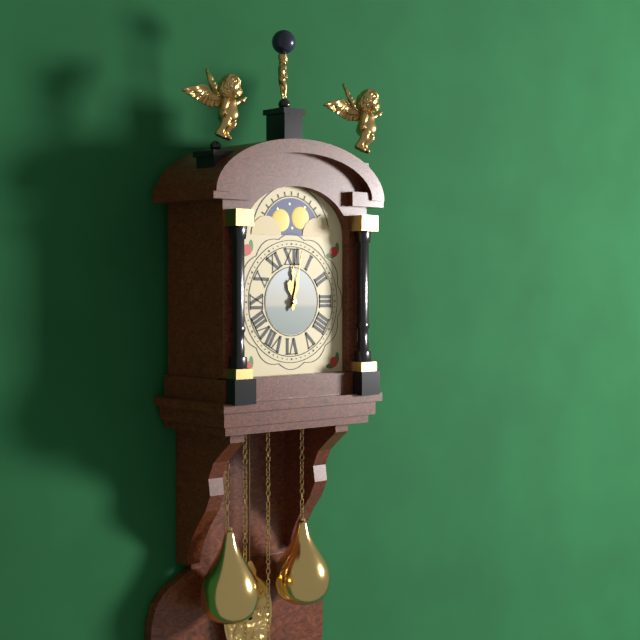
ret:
12:02
